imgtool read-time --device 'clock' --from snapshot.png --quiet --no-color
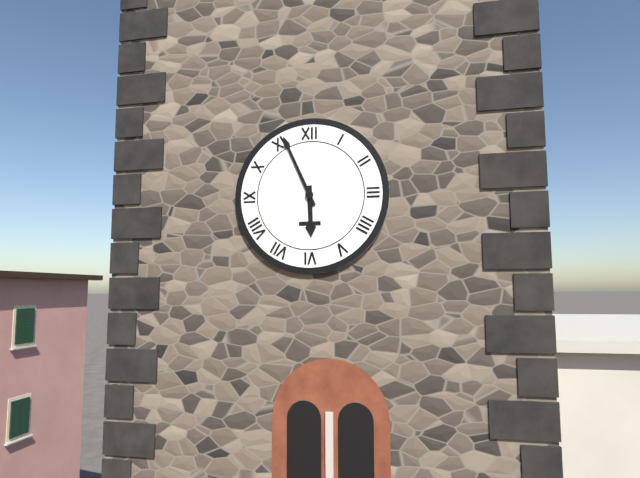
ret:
5:56
